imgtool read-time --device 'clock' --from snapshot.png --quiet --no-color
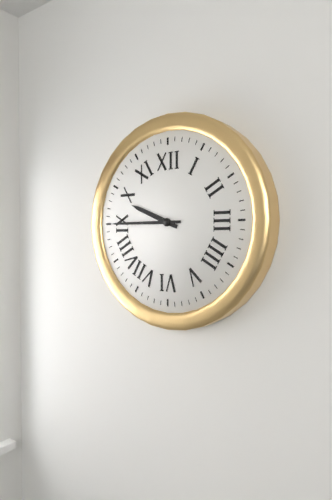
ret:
9:45
